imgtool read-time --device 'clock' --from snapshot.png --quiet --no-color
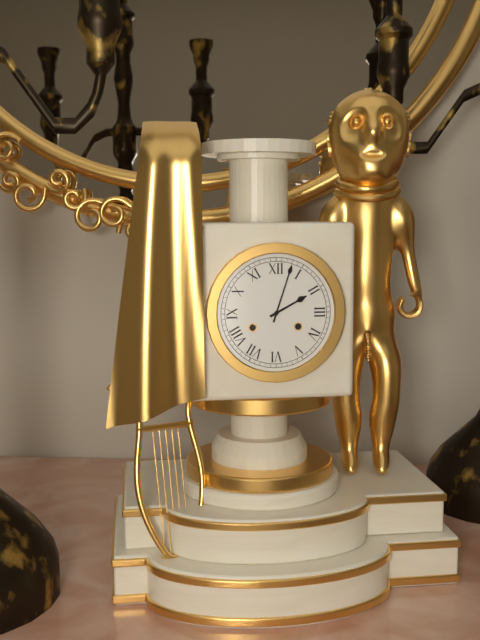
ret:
2:03
